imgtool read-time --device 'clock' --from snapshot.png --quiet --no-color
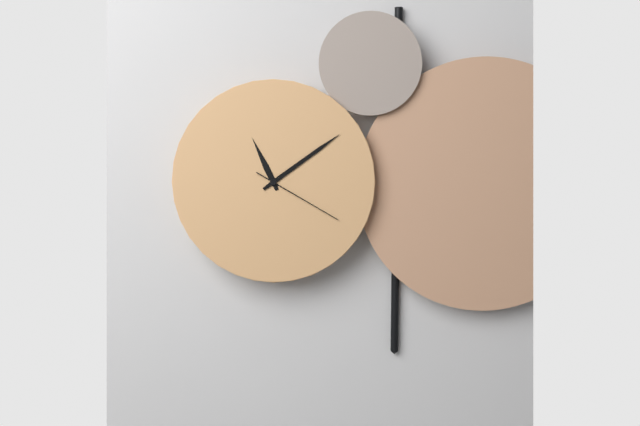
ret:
11:09:20
